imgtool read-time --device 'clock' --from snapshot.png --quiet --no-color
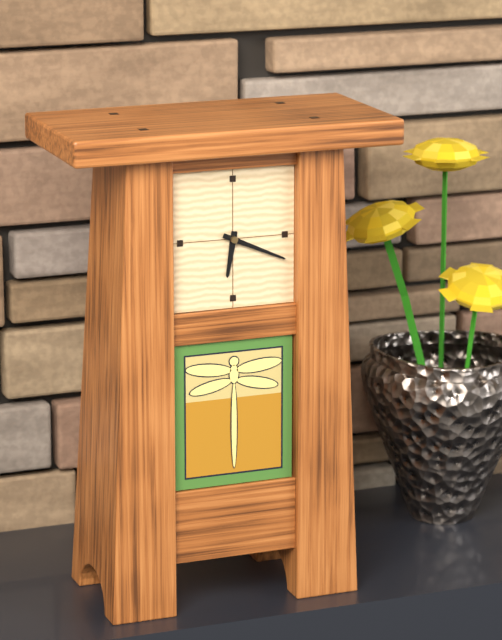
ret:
6:19
